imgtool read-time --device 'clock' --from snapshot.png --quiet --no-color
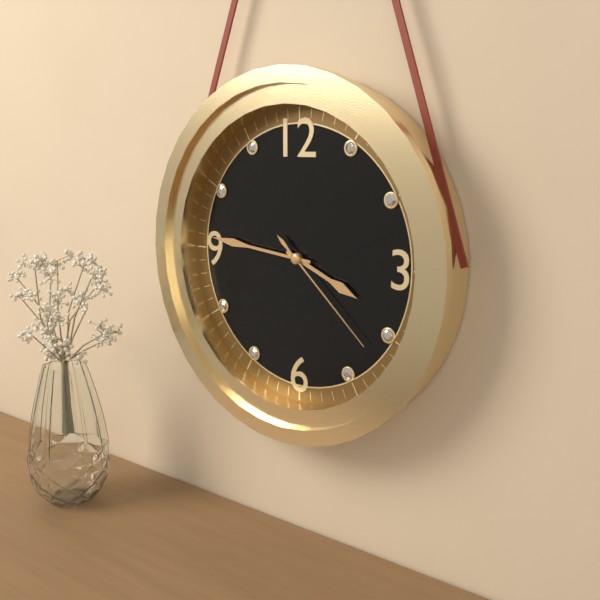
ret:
3:46:22
